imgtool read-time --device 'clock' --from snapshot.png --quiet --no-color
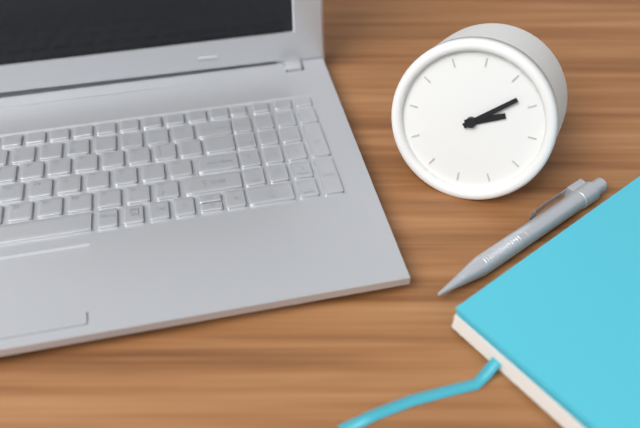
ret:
2:08
